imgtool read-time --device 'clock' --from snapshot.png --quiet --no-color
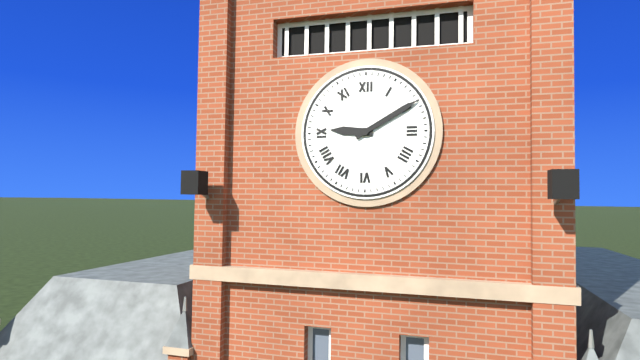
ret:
9:10
